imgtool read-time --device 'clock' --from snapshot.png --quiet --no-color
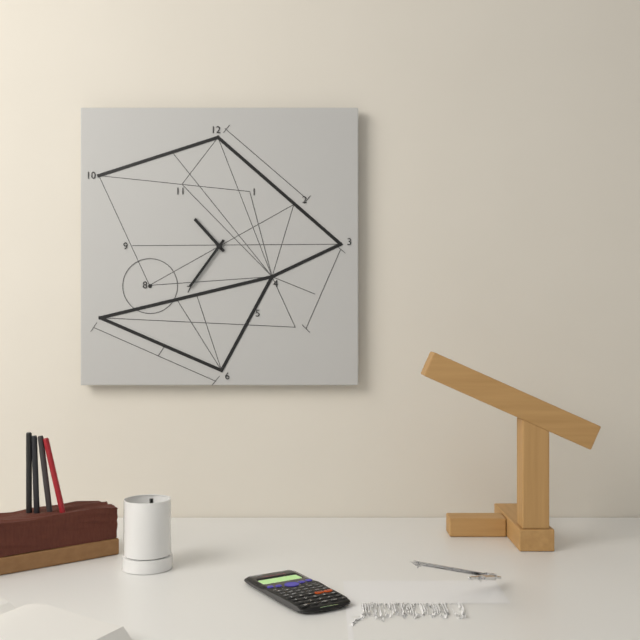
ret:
10:36
